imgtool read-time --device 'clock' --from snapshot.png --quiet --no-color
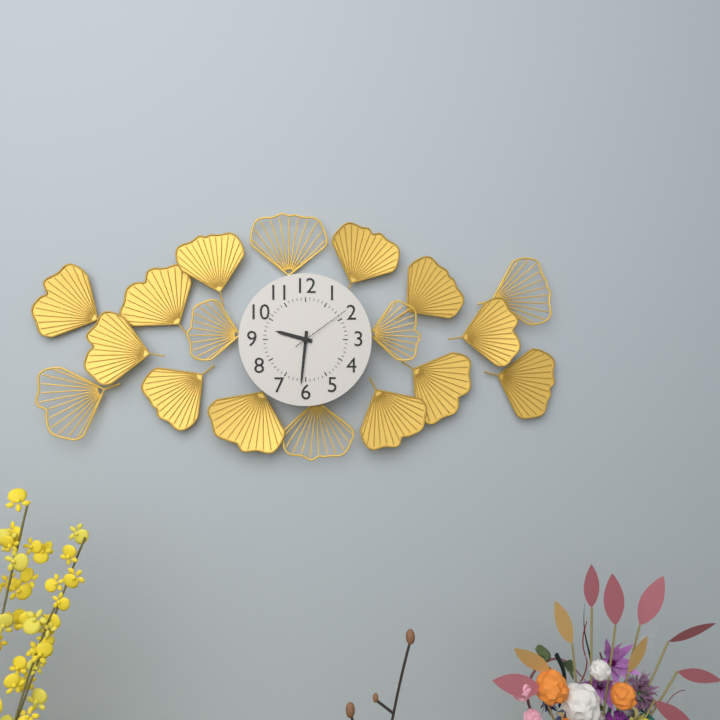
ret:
9:31:09
